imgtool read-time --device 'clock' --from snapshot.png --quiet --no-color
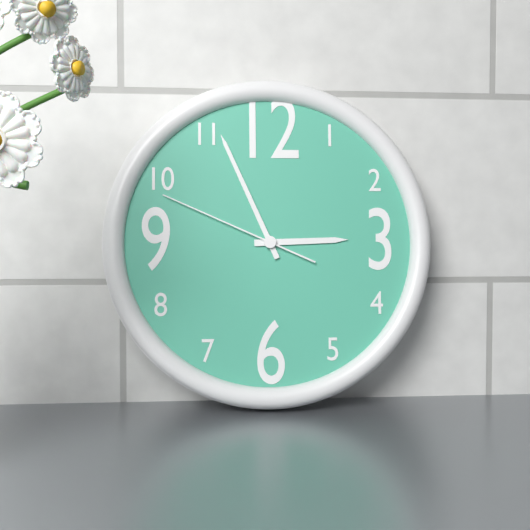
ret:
2:56:49
